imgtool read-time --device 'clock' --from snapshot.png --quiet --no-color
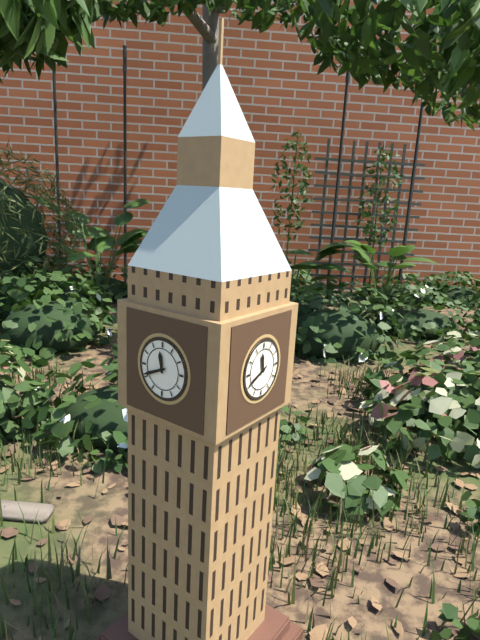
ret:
11:41
